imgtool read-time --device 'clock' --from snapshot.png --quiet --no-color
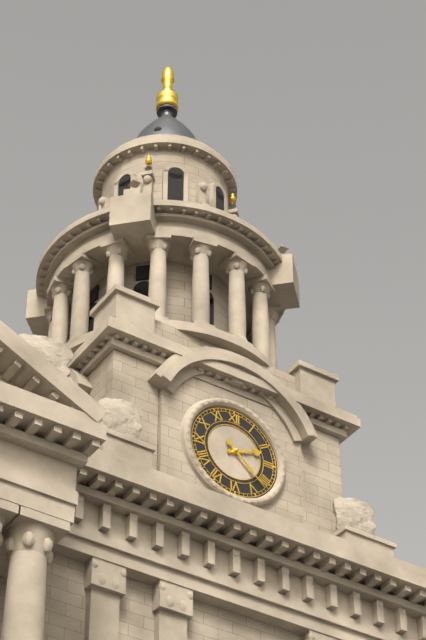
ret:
2:22
